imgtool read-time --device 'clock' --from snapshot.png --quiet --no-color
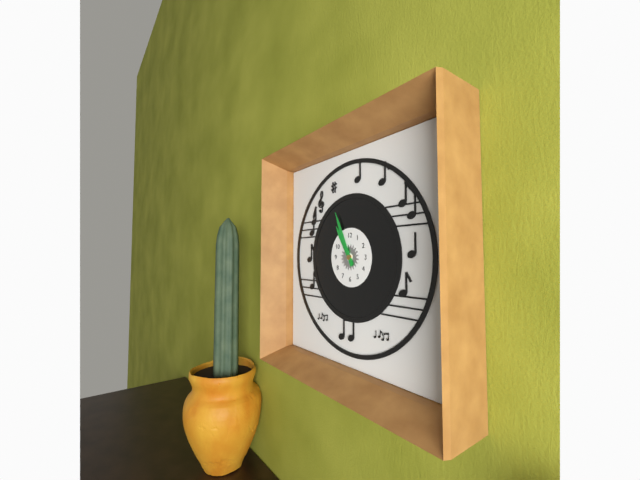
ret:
10:56
